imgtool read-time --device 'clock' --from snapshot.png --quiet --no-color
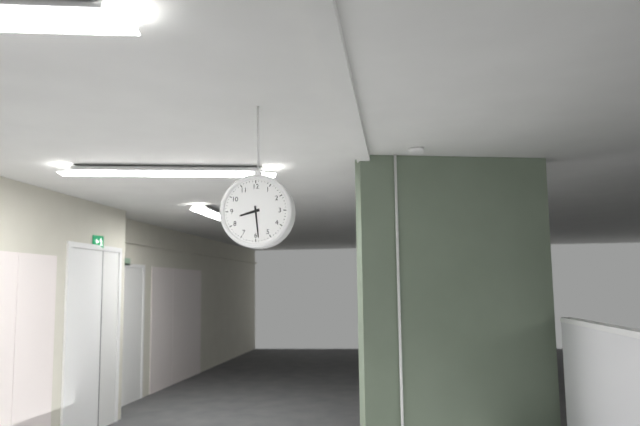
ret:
8:29
